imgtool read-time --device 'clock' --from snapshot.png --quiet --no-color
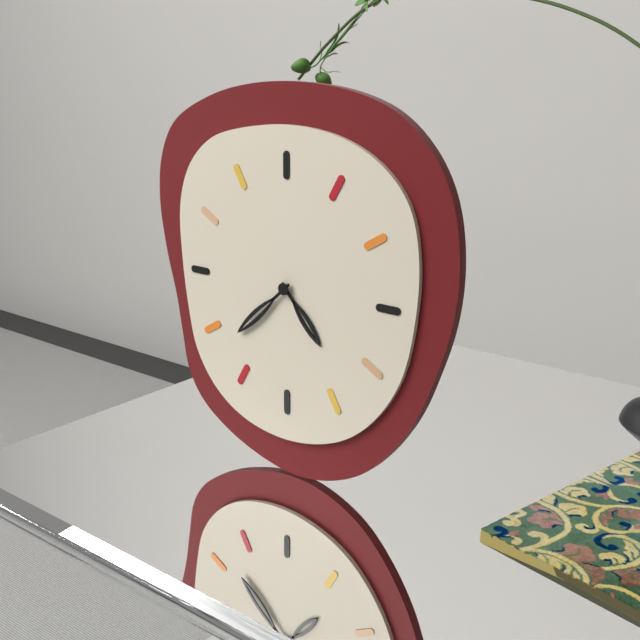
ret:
4:38
